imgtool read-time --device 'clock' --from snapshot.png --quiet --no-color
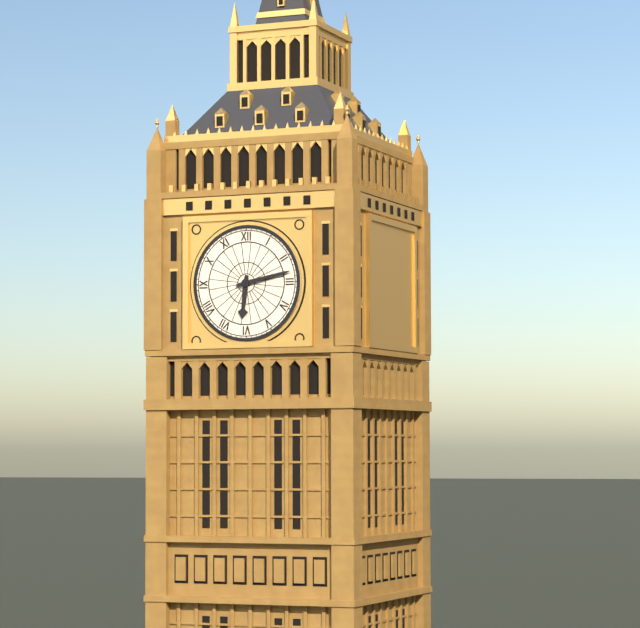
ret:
6:13
